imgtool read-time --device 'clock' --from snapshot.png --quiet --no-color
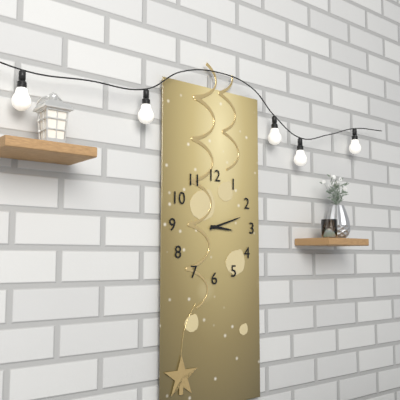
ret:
3:12
